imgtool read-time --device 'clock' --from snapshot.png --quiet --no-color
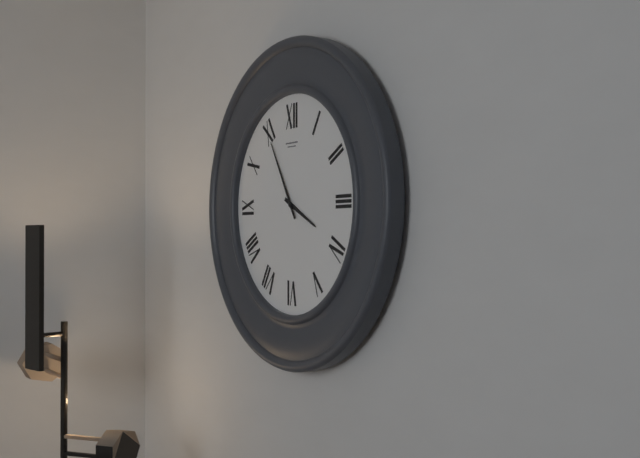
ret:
3:55
